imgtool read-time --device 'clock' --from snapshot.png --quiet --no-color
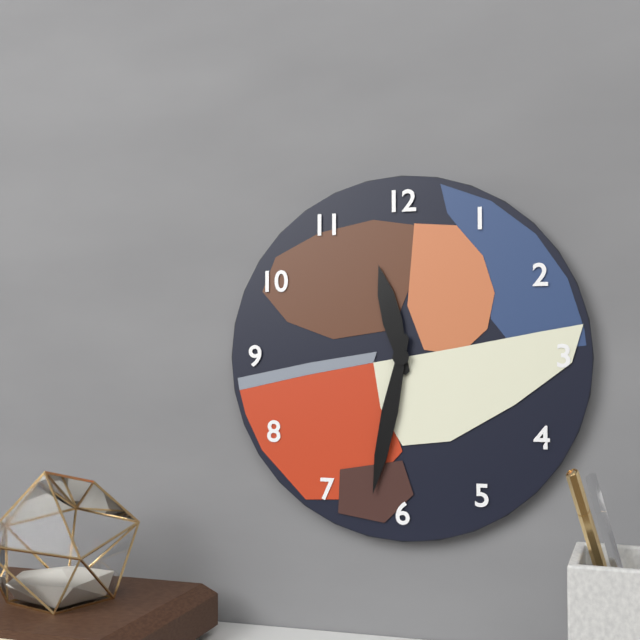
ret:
11:32
